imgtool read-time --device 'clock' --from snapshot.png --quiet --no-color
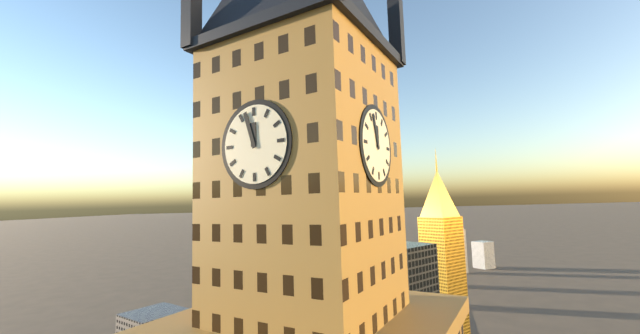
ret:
11:57
